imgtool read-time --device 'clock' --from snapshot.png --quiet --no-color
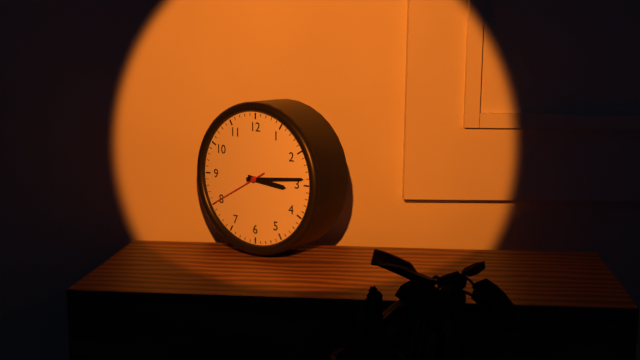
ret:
3:14:40
